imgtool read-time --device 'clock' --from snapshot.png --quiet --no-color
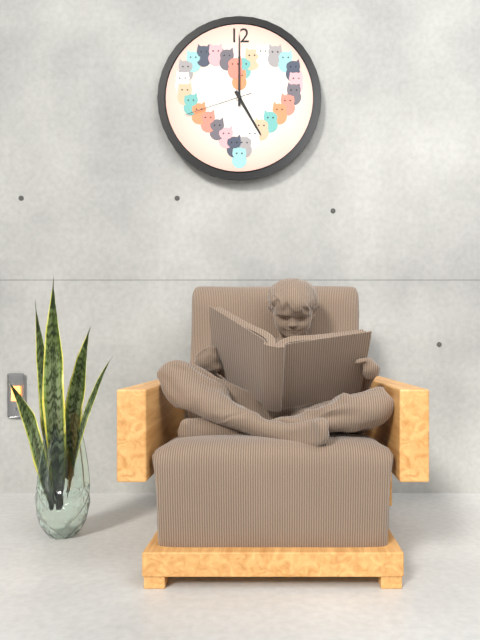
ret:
5:00:42
